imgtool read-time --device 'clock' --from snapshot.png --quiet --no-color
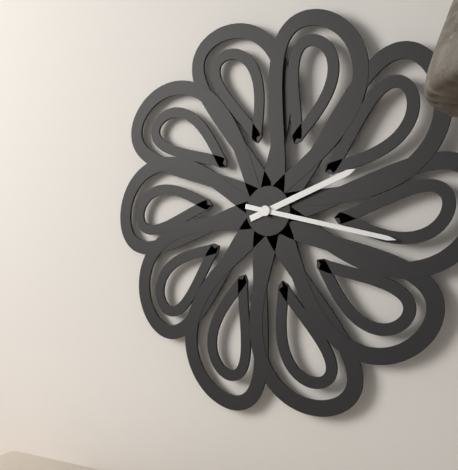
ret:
2:17
